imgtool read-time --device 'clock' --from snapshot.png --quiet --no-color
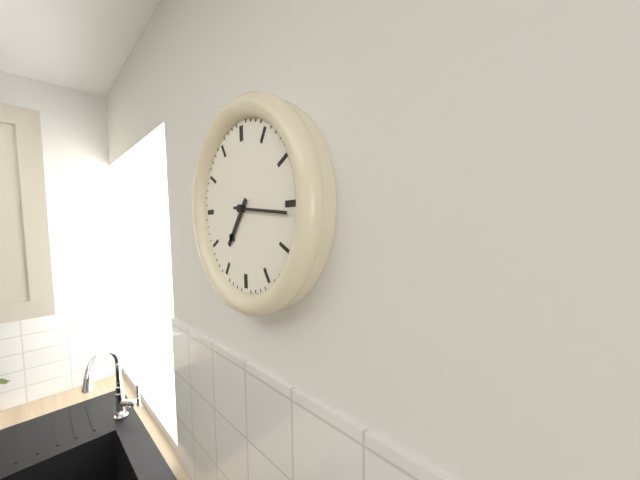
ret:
7:16
